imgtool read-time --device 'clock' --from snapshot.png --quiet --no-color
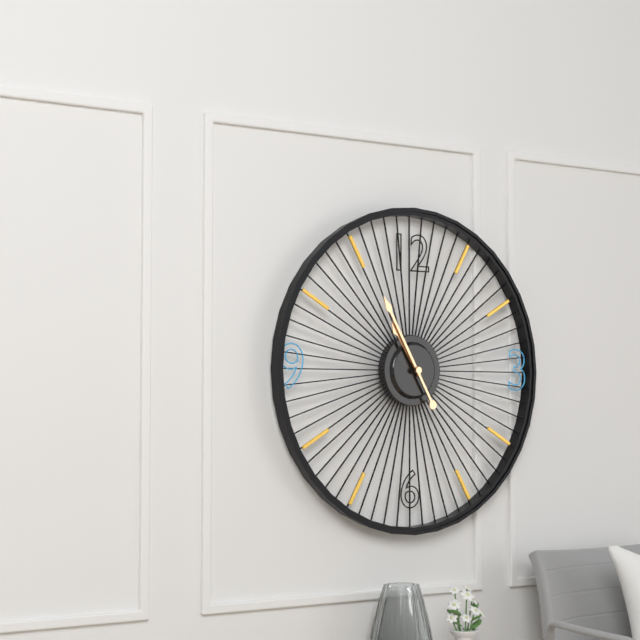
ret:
10:55
